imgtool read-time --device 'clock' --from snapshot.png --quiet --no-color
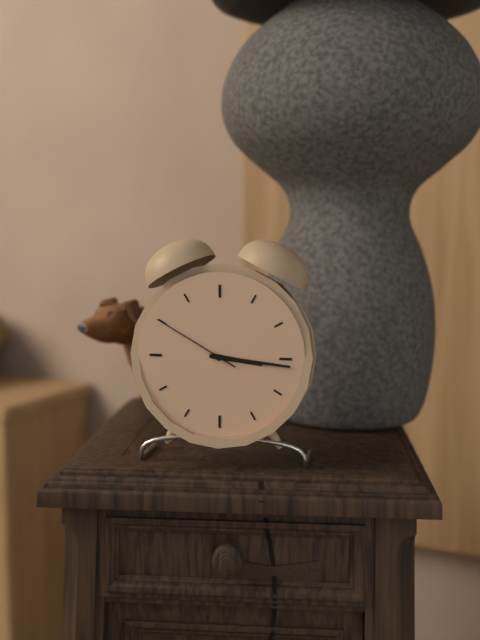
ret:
3:16:50
